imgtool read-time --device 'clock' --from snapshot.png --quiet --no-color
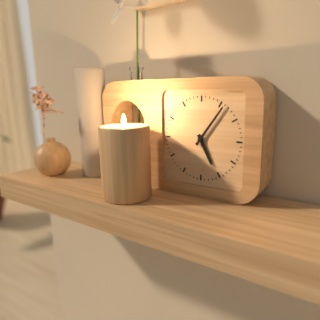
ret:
5:06
